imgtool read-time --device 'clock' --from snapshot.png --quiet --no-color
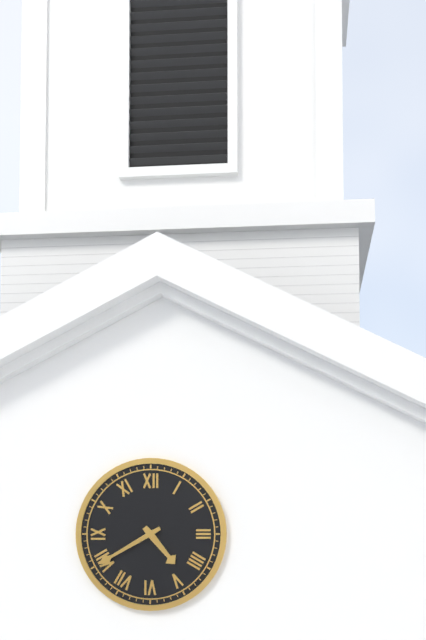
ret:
4:40
